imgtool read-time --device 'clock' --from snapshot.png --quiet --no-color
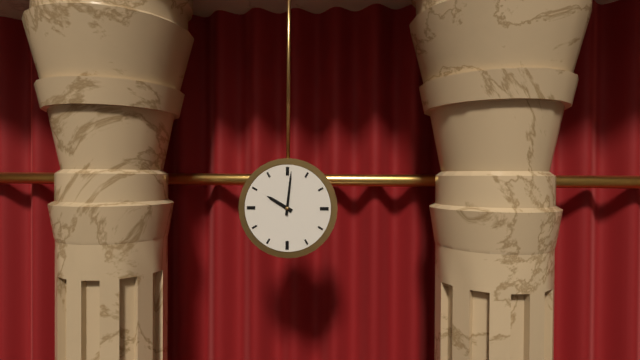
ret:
10:01
